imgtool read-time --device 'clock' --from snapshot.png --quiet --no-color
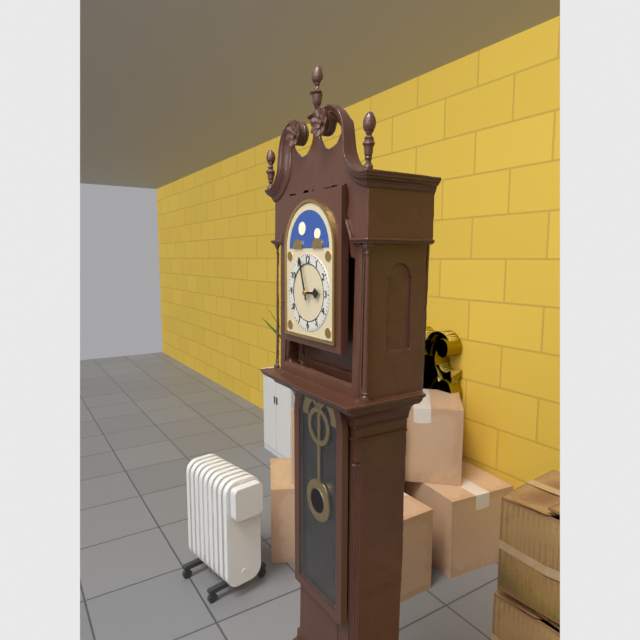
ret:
2:57
